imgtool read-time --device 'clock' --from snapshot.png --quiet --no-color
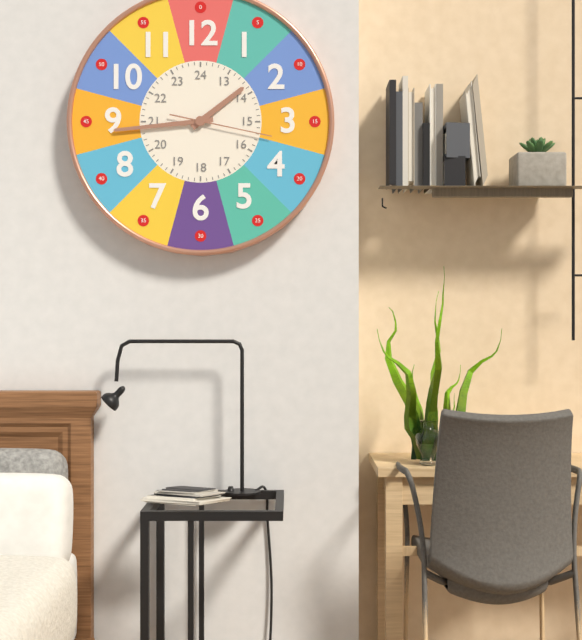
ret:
1:44:17
